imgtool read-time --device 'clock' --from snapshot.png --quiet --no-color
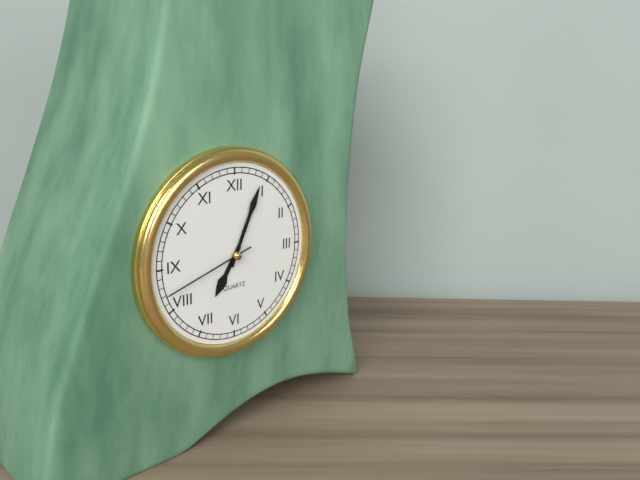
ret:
7:04:42
